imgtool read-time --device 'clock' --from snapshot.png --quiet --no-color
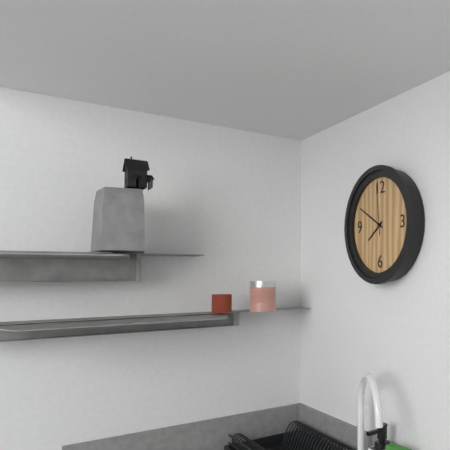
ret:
7:50:59
